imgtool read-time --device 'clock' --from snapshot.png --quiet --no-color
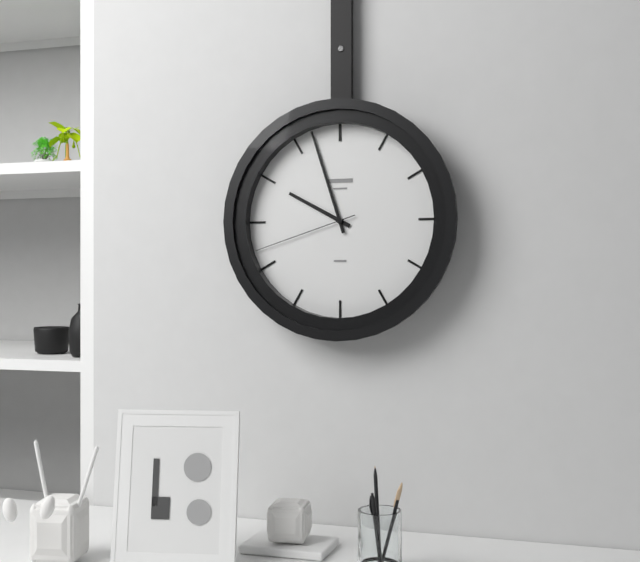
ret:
9:57:42
